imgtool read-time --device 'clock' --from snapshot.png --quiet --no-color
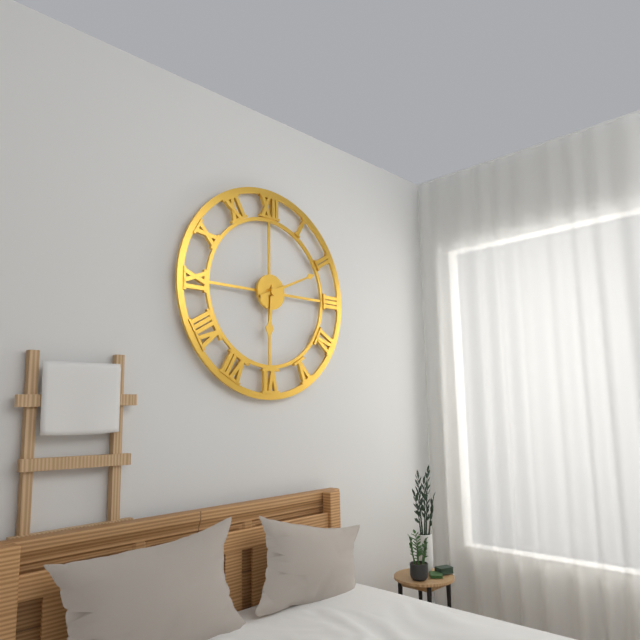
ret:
6:11
